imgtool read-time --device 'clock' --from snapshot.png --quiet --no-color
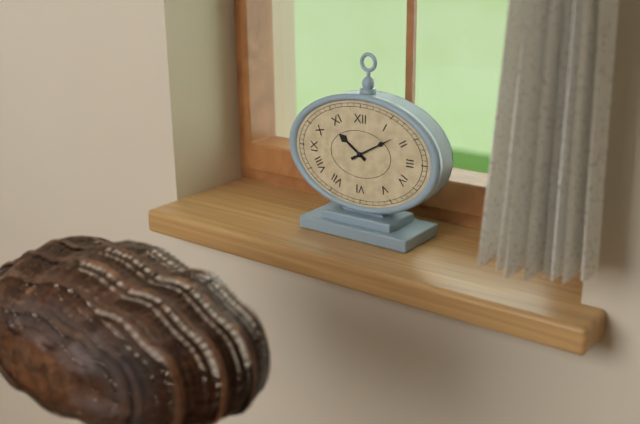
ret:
10:10
